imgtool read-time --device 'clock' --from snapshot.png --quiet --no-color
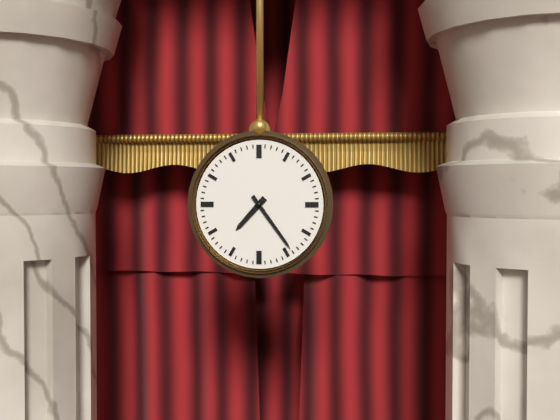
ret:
7:24
